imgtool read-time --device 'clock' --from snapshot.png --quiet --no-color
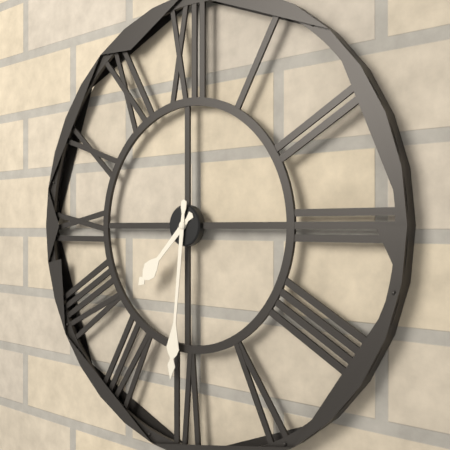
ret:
7:31
